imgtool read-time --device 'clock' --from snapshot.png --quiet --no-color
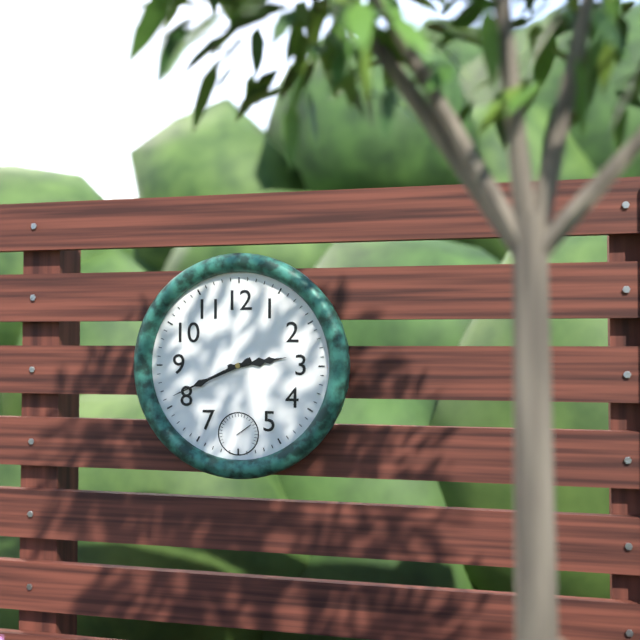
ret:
2:41
